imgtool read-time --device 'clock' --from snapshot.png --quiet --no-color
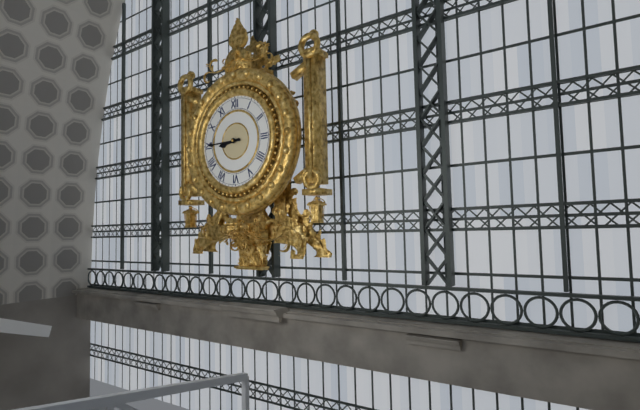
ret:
8:45
